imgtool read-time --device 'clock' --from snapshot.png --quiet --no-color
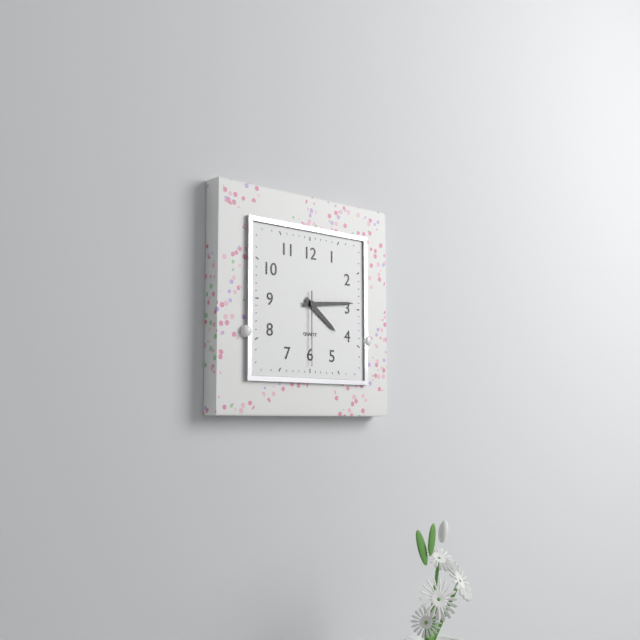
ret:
4:14:30
